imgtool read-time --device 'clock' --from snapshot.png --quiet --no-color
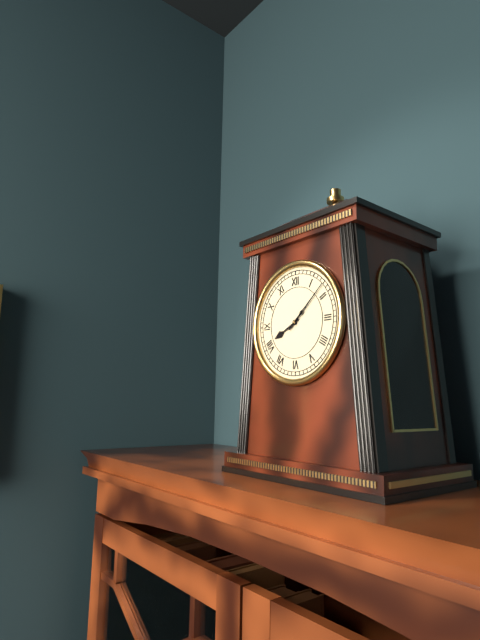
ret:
8:08
